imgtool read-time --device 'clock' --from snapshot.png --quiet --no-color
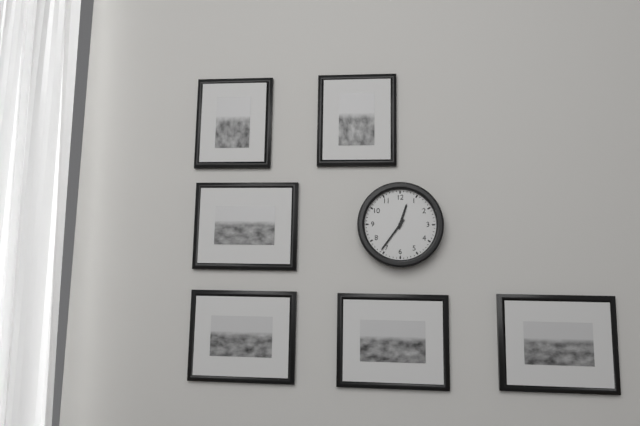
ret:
12:36
